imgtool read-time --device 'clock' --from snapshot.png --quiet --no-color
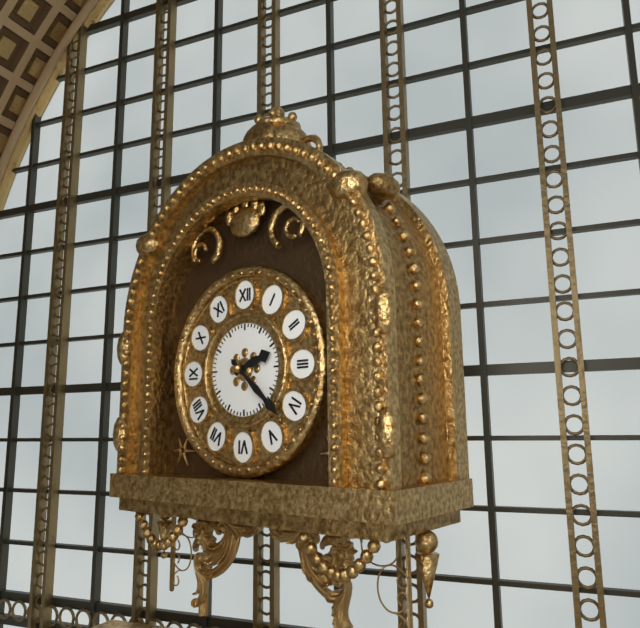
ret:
2:22
